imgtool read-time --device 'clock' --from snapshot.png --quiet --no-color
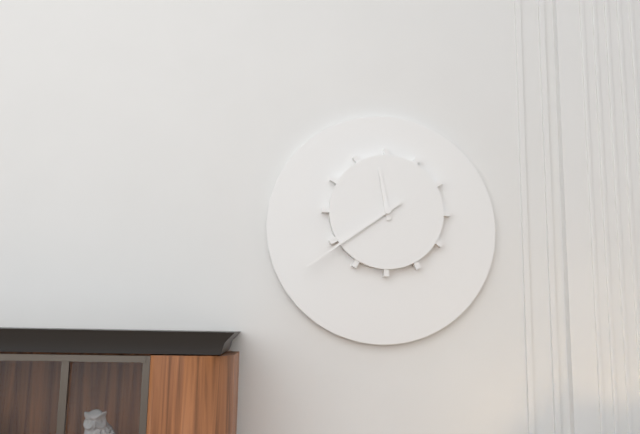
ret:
11:39
